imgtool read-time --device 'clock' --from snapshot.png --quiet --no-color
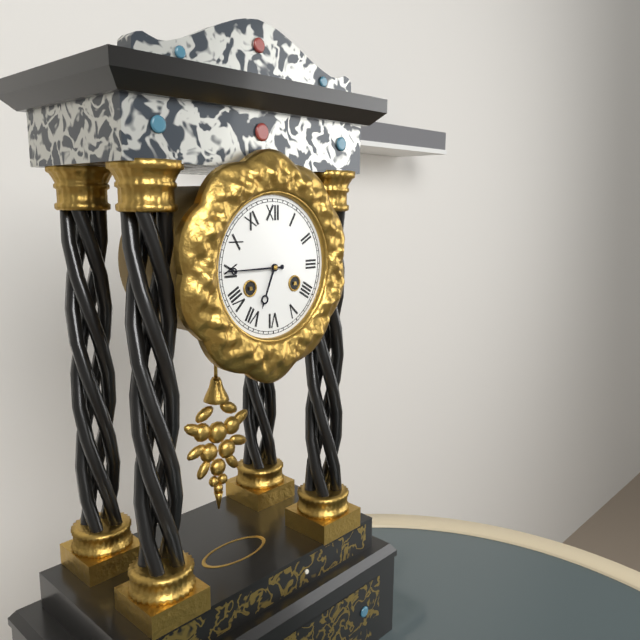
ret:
6:45
